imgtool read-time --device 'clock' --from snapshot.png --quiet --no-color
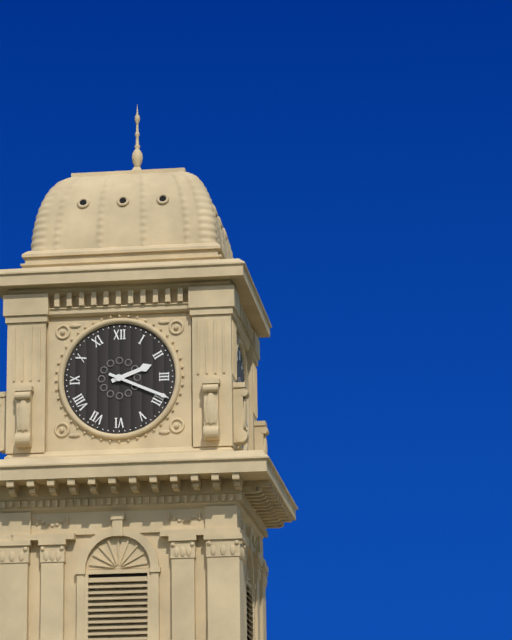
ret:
2:19
